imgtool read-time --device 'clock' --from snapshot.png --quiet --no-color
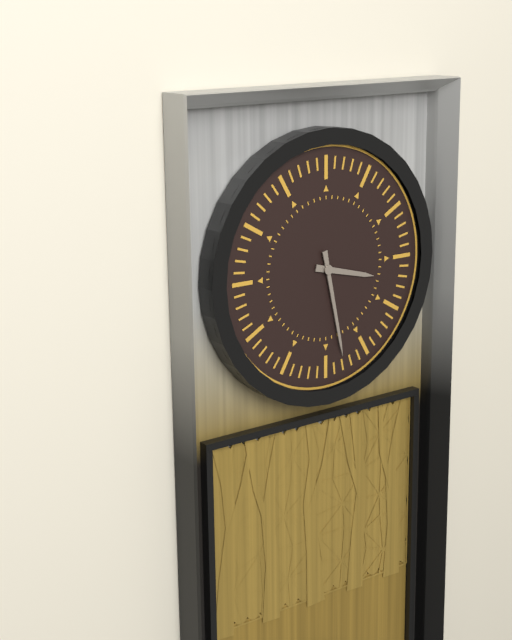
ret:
3:28
